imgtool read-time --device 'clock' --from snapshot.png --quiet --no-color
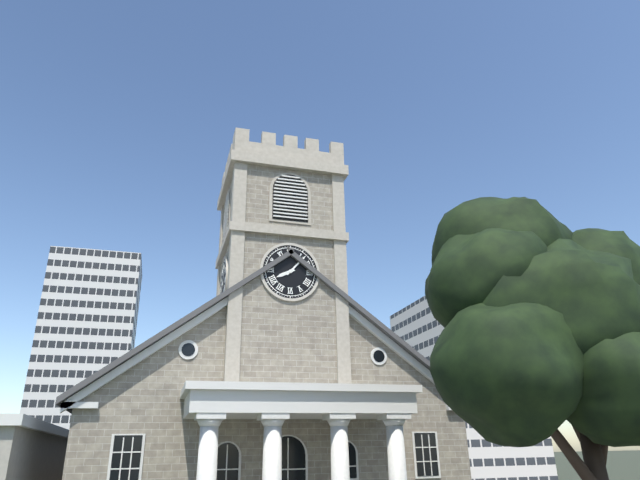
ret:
8:07
